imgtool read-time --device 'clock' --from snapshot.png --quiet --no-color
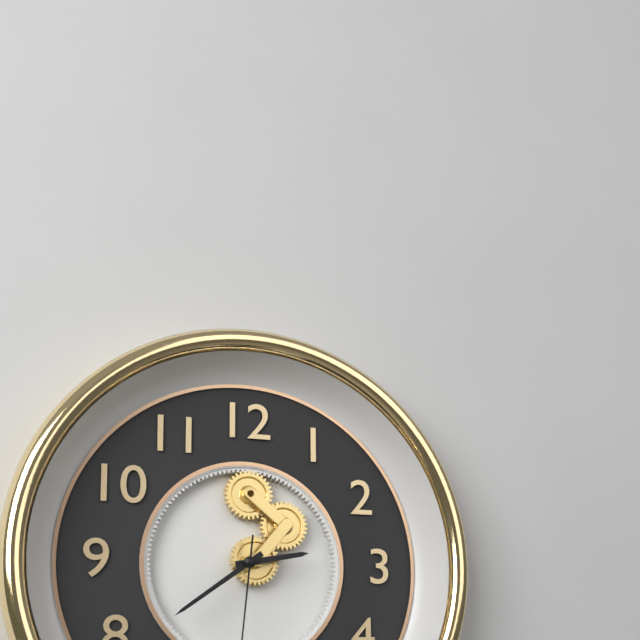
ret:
2:39
